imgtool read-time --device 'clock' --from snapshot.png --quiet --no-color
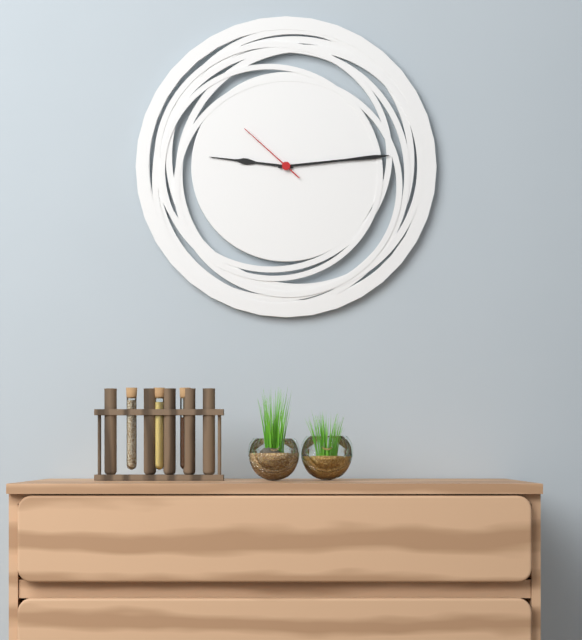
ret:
9:14:52
